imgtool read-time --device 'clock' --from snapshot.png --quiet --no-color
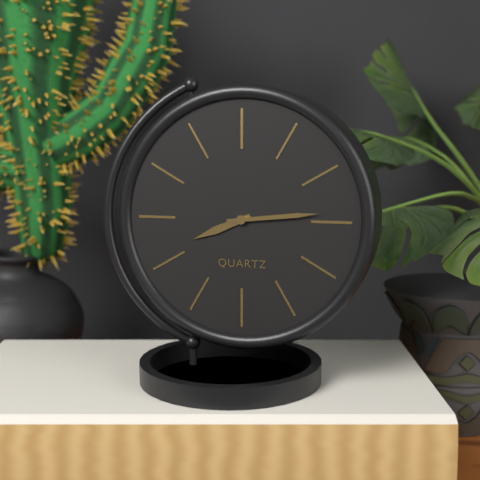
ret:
8:14
